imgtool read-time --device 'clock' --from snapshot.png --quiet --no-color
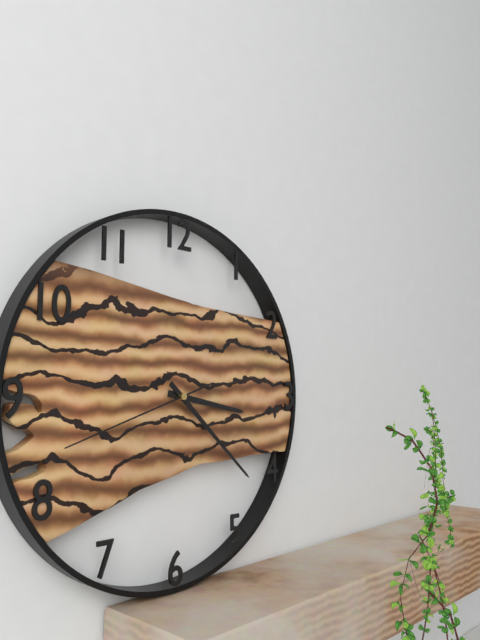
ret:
3:22:42
